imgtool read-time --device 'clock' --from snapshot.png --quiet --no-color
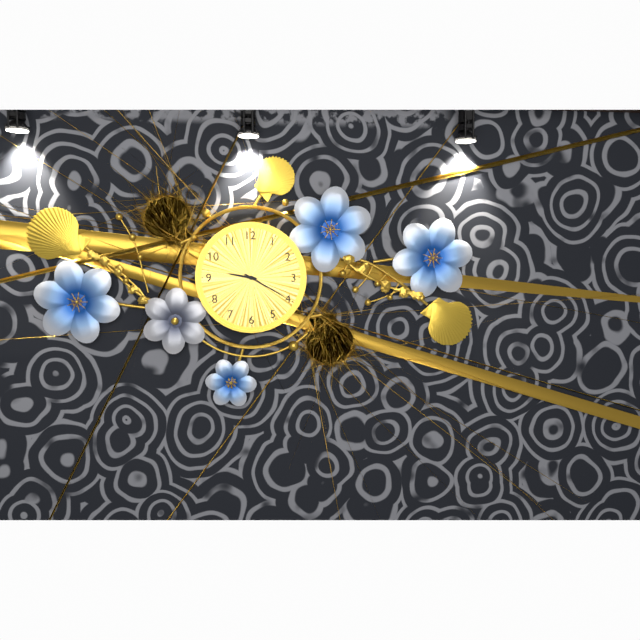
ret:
9:20
